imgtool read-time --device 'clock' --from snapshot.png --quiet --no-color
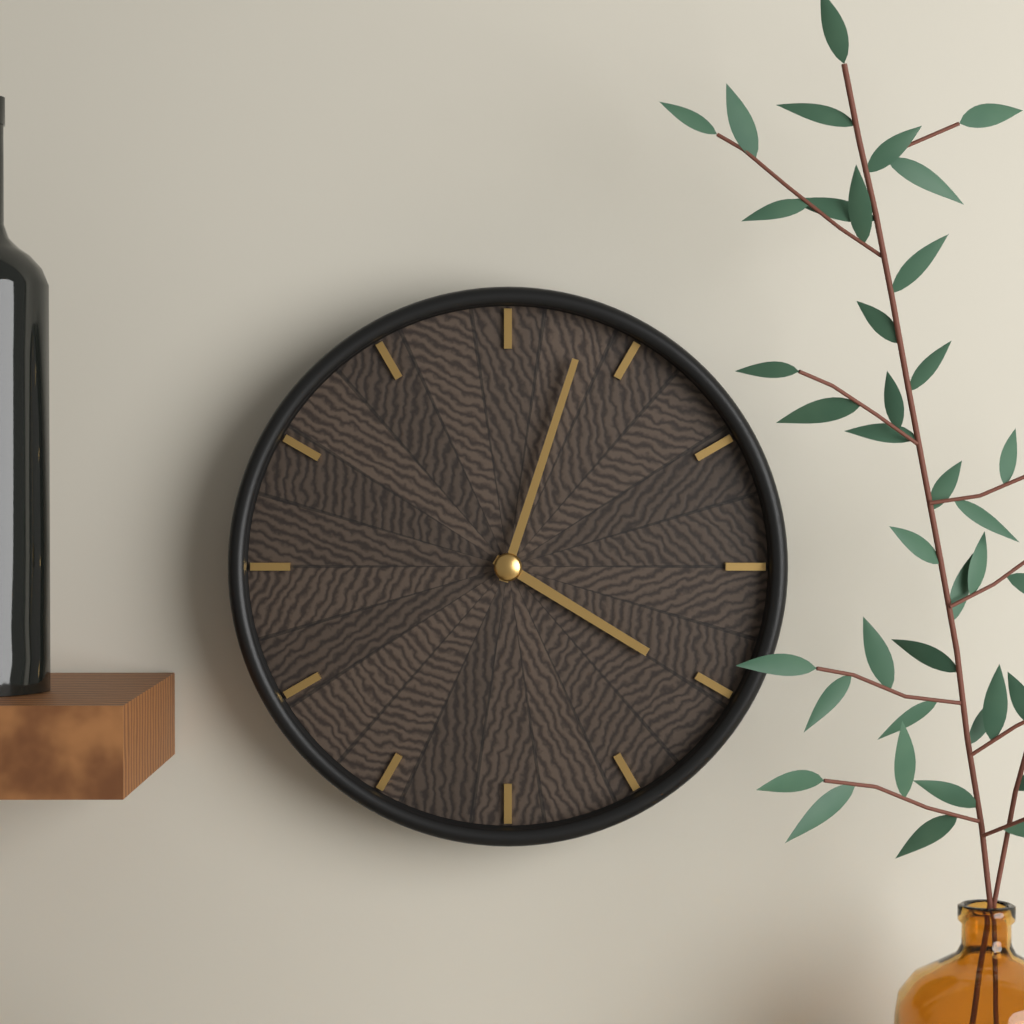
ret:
4:03
